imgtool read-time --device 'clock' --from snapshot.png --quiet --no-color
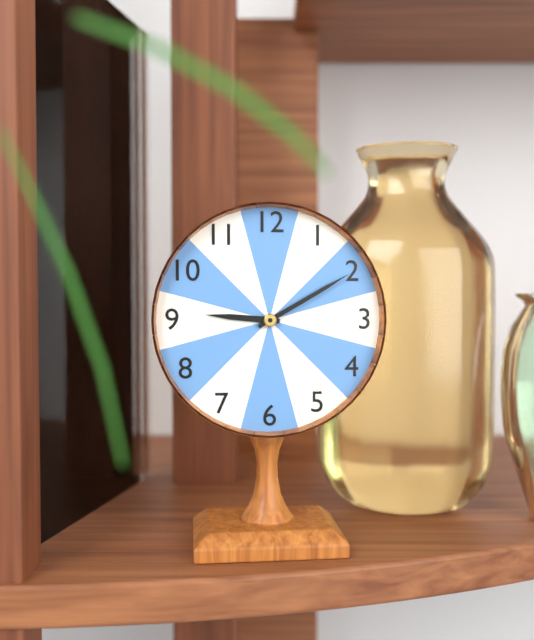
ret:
9:10
